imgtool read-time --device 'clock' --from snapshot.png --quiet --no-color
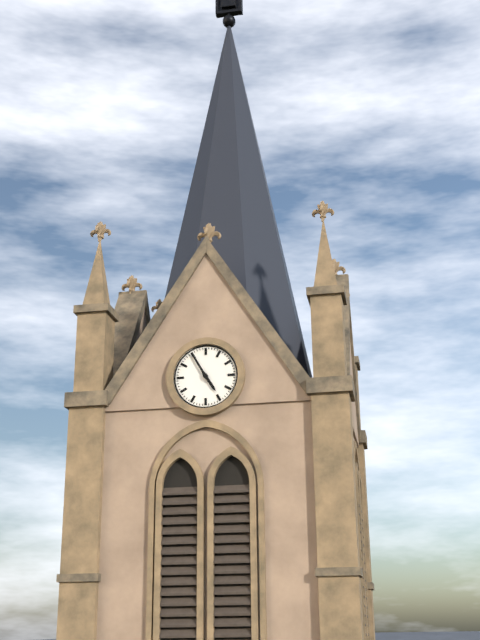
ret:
4:55
